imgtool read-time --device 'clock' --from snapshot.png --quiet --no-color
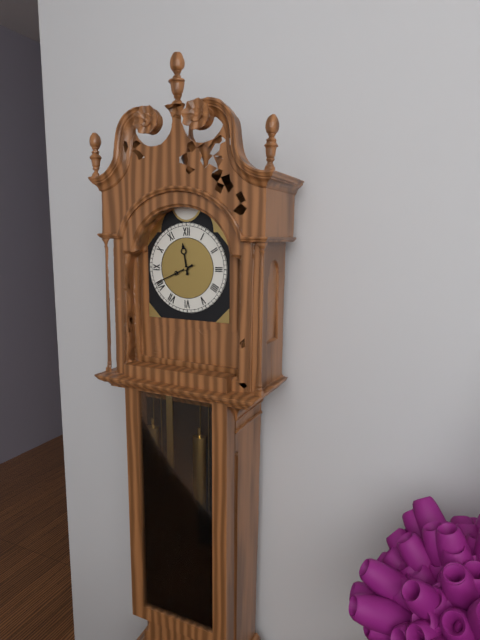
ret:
11:41
